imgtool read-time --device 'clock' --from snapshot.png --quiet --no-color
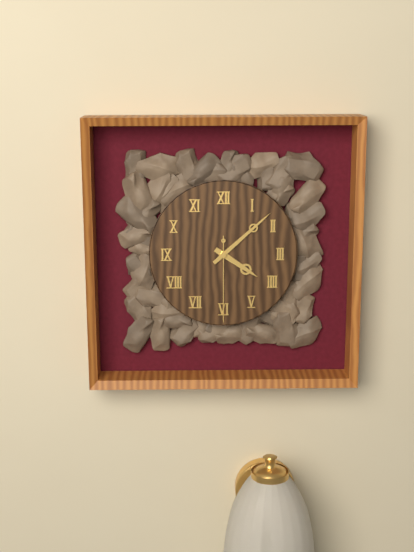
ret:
4:08:30
